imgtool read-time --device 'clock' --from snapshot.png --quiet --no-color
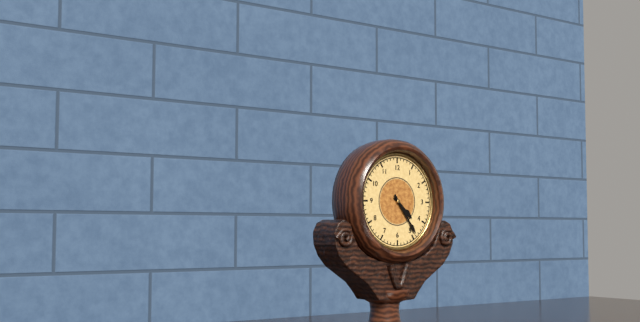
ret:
4:24
